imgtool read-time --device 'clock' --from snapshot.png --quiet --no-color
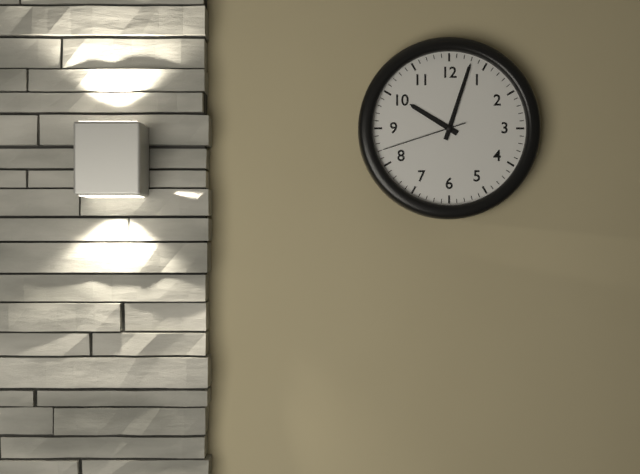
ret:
10:03:42
